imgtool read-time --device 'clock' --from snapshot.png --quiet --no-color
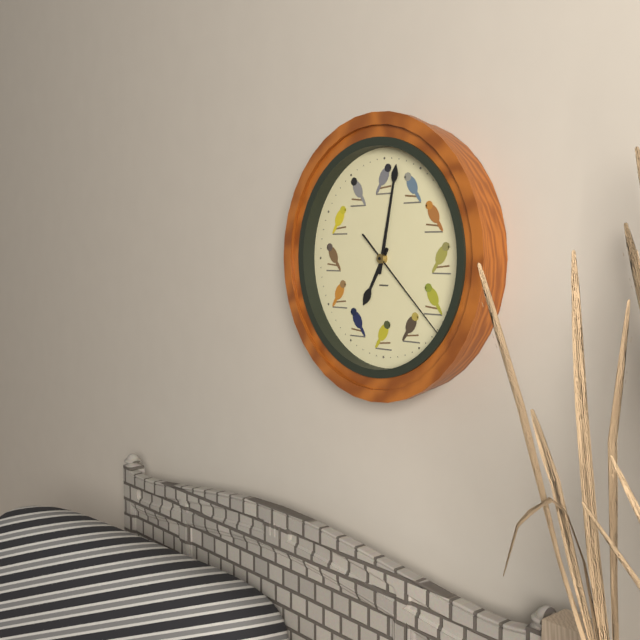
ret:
7:02:22
